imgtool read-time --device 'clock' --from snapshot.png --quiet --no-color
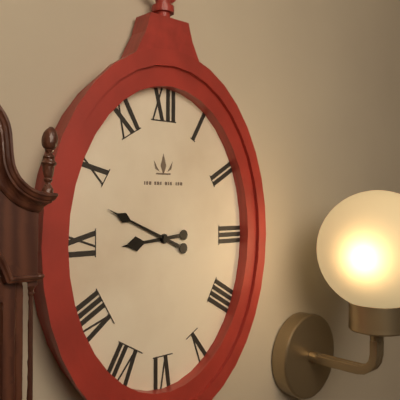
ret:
8:49
